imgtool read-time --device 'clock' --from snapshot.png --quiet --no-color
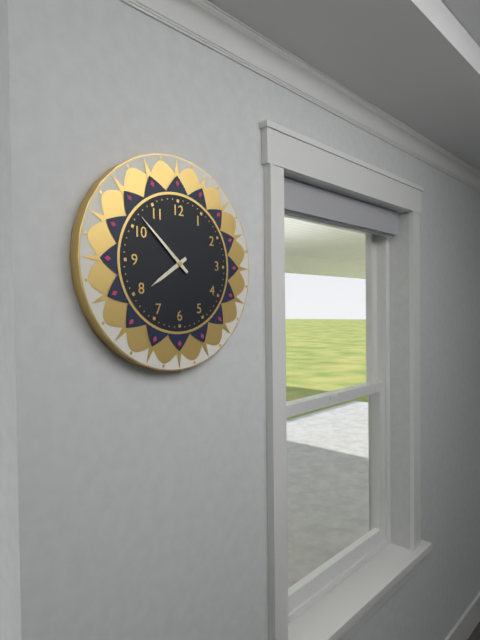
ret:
7:52
